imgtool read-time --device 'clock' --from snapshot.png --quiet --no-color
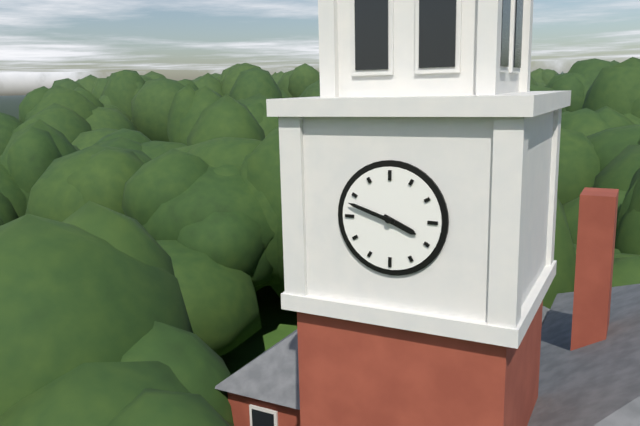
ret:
3:48
